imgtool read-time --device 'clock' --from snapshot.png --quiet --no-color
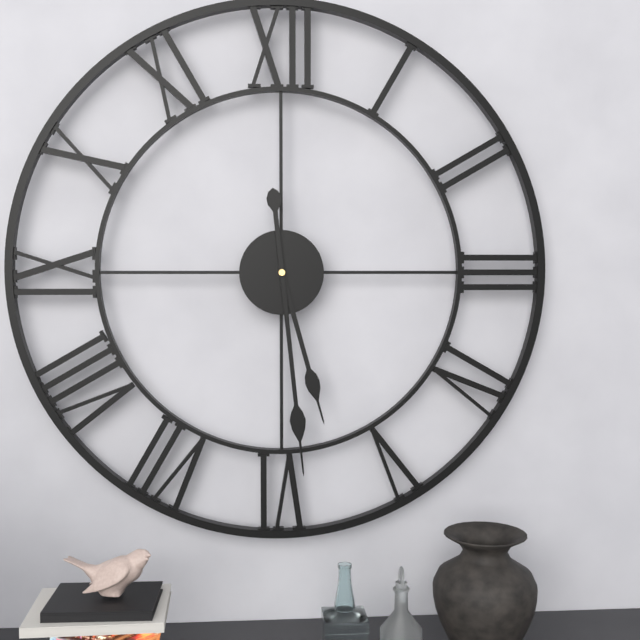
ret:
5:29
